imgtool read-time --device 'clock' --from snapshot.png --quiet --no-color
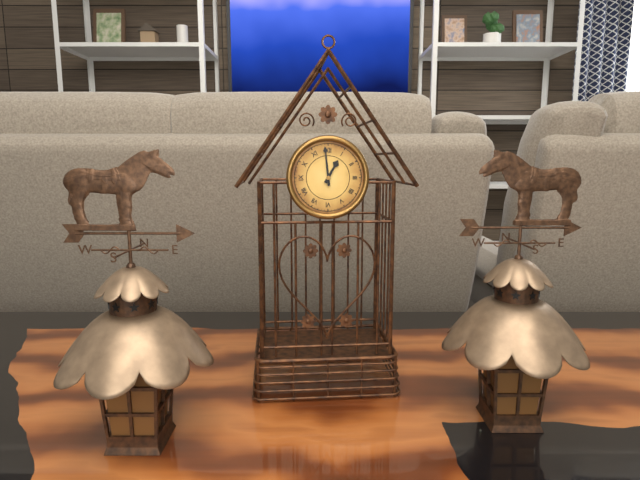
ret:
12:59
